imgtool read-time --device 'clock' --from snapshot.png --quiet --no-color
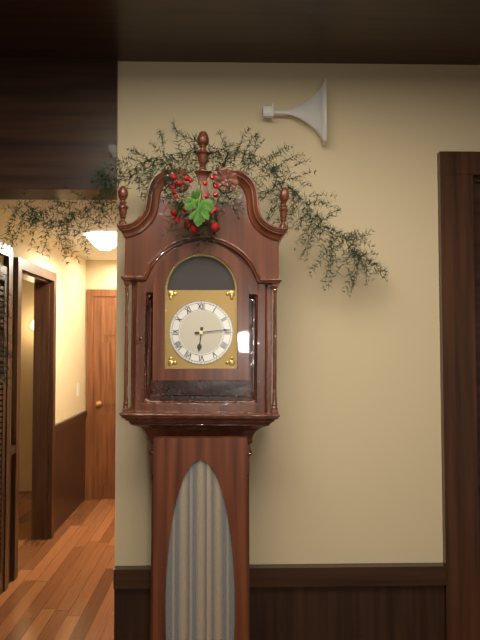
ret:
6:14
